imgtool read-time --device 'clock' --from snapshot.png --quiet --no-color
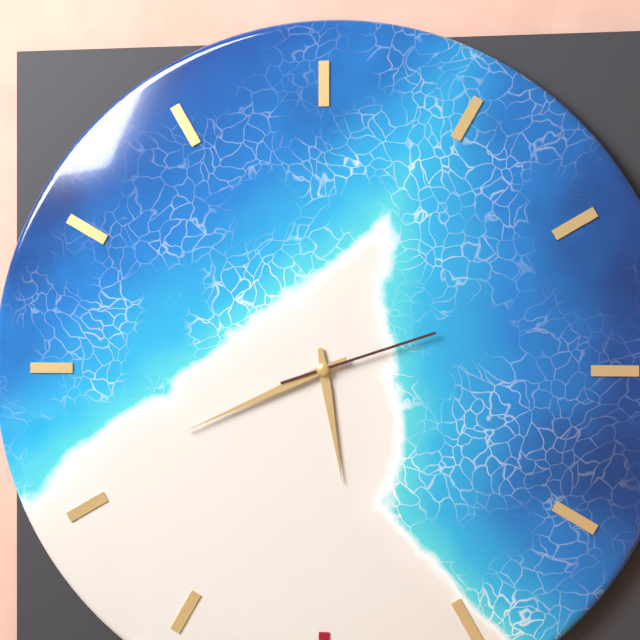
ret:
5:41:12
